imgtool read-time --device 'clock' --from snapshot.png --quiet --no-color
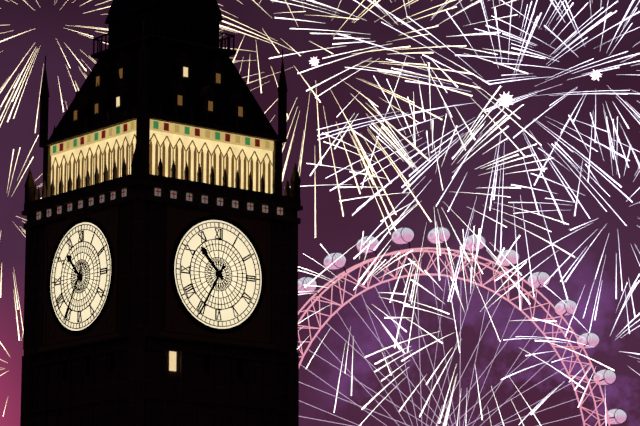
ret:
10:35
